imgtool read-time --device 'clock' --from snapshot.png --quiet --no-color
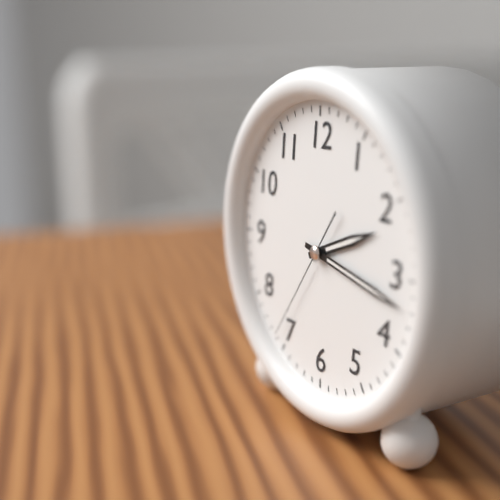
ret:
2:17:36
